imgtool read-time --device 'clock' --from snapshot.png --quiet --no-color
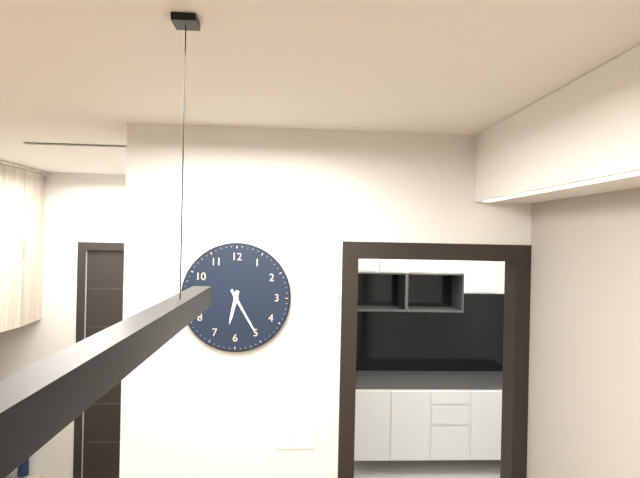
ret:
6:25
